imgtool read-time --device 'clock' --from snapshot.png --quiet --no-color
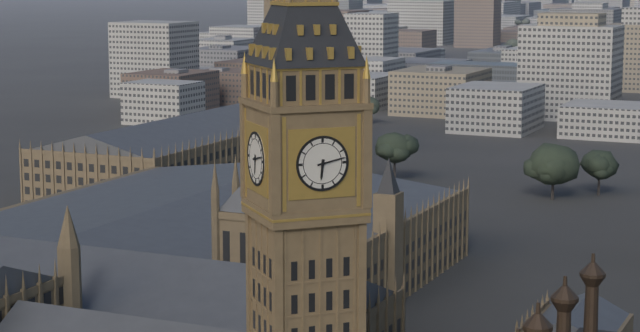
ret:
6:13
